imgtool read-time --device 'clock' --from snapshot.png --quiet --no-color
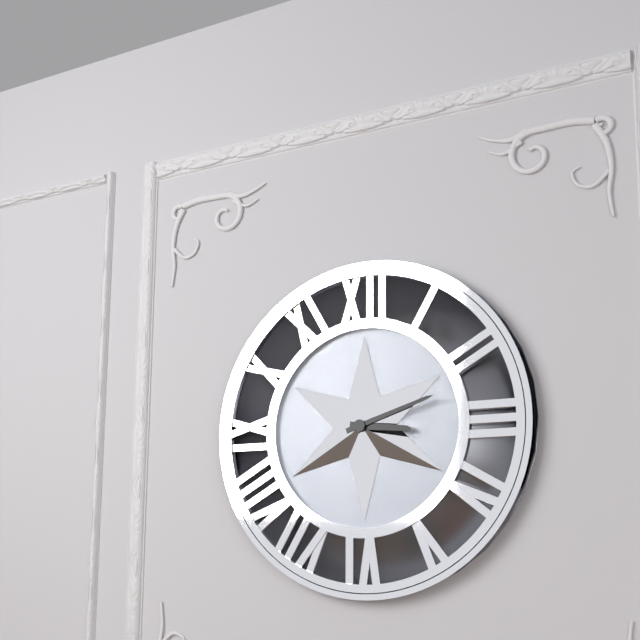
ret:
3:12
